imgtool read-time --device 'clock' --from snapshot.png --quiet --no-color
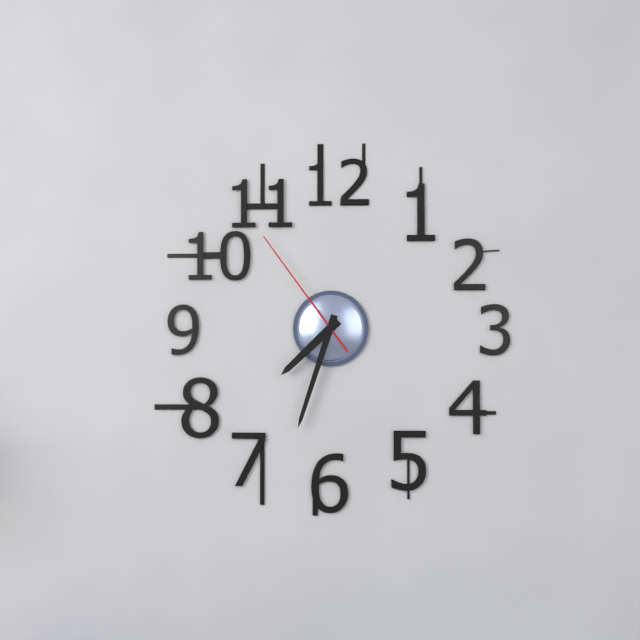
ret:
7:33:54
